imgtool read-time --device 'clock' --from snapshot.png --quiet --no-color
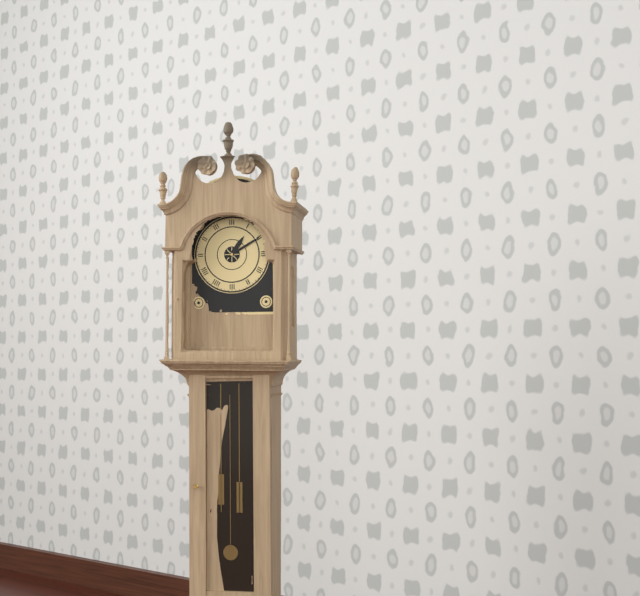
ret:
1:10
